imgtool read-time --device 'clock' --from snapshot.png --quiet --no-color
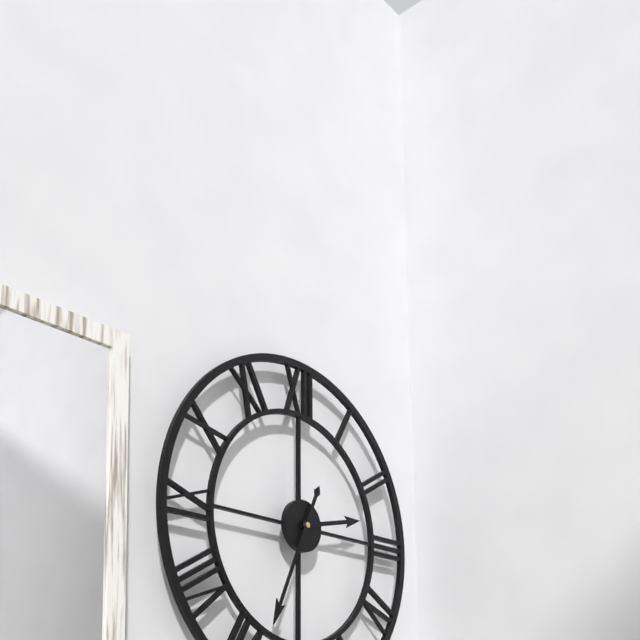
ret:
2:34
